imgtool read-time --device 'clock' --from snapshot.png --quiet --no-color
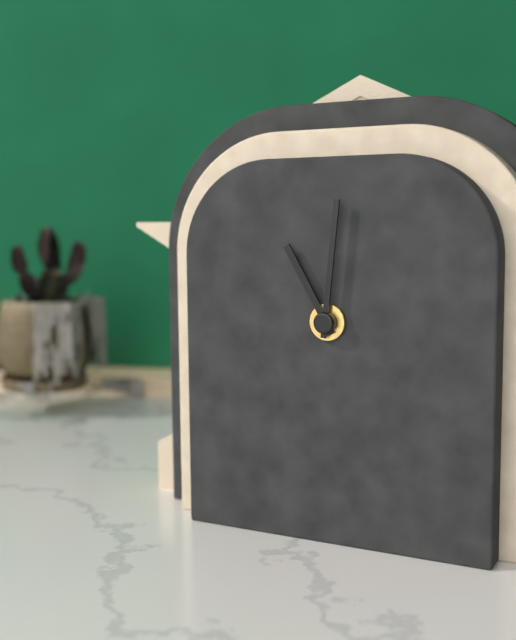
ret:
11:01
